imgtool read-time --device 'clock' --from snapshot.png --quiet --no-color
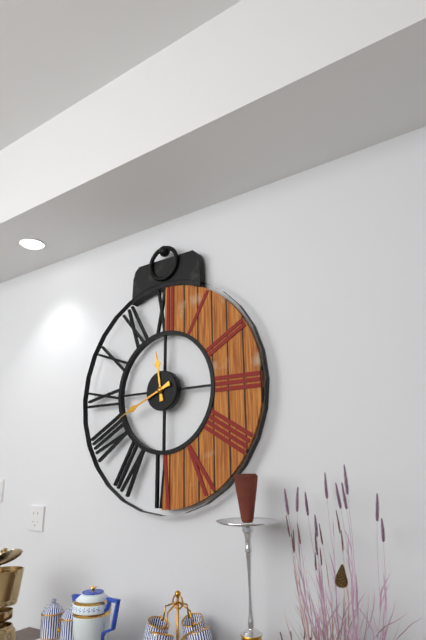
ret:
11:41
